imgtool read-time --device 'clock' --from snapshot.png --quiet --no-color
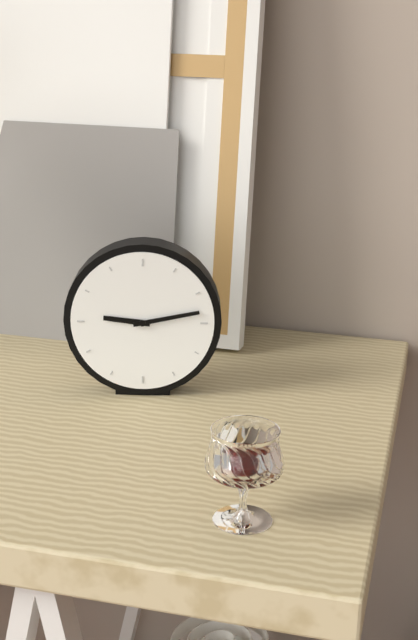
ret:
9:13
